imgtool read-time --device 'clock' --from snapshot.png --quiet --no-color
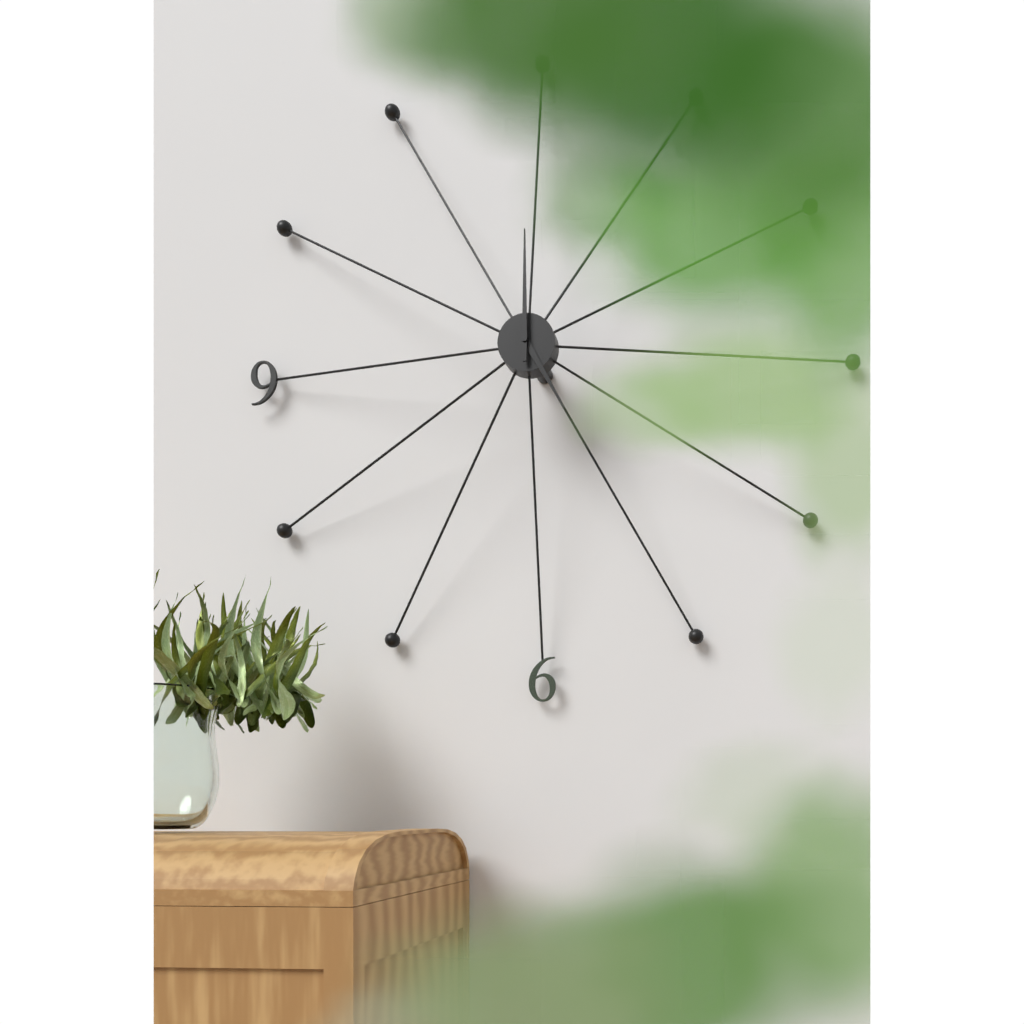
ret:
5:00
